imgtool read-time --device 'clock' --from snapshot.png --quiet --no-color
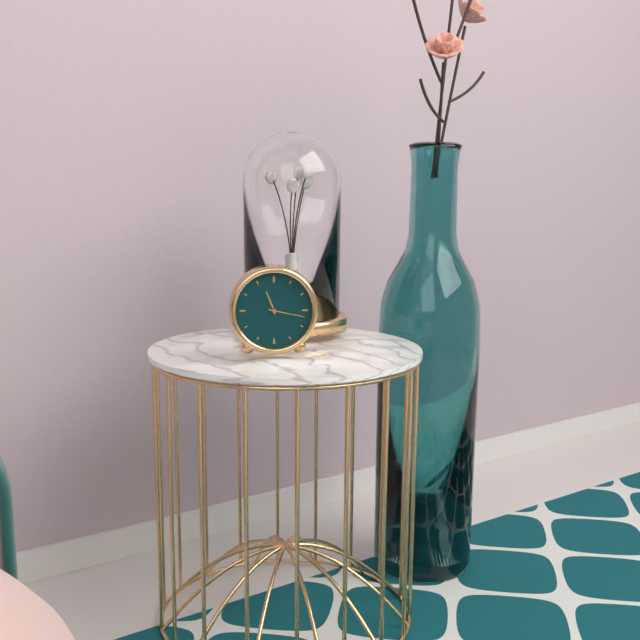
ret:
11:17
